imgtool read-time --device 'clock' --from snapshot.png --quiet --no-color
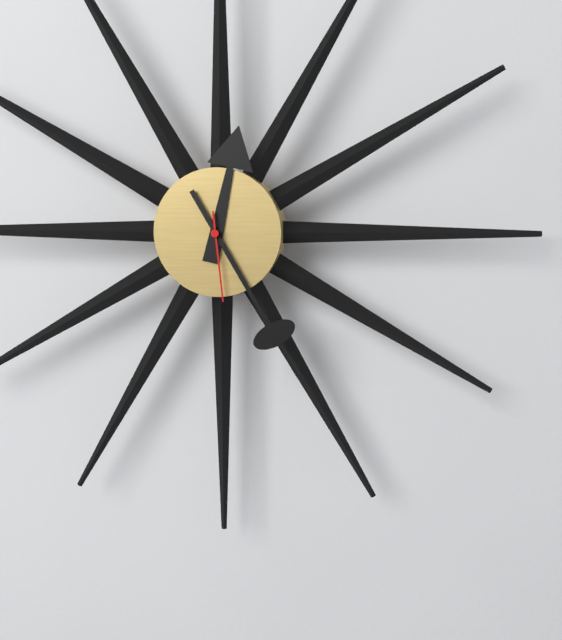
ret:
12:25:29
